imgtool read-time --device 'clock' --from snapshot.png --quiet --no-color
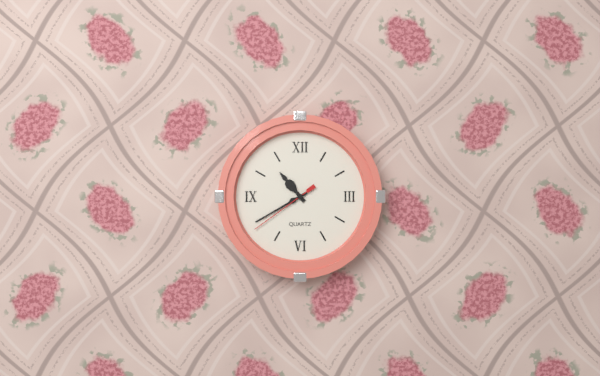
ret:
10:40:39
